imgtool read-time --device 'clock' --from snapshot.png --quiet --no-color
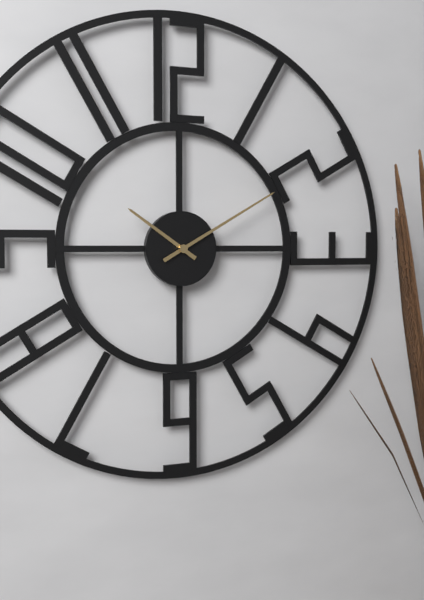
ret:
10:10
